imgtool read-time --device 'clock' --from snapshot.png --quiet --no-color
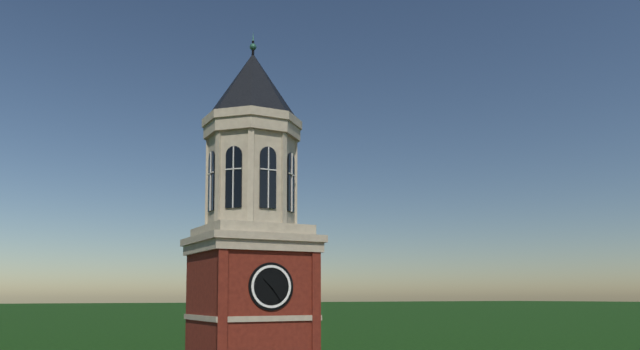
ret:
10:24
